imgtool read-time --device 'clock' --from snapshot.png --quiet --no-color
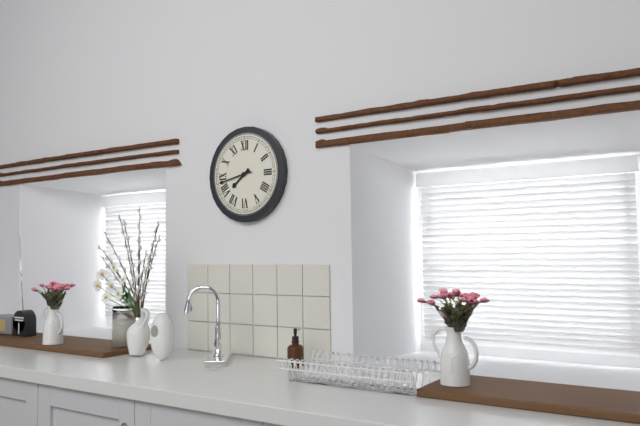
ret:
7:43
